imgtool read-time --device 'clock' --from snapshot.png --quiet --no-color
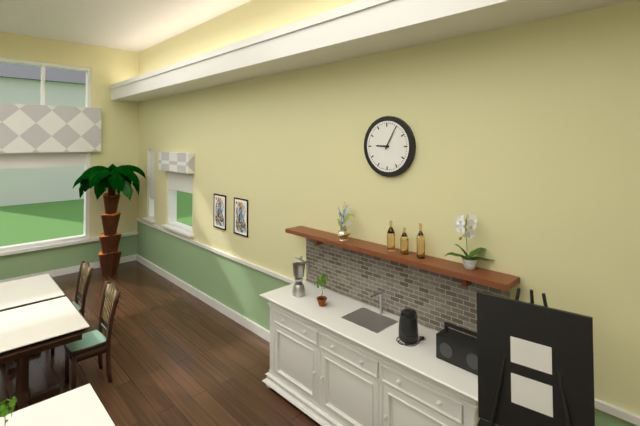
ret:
9:05
